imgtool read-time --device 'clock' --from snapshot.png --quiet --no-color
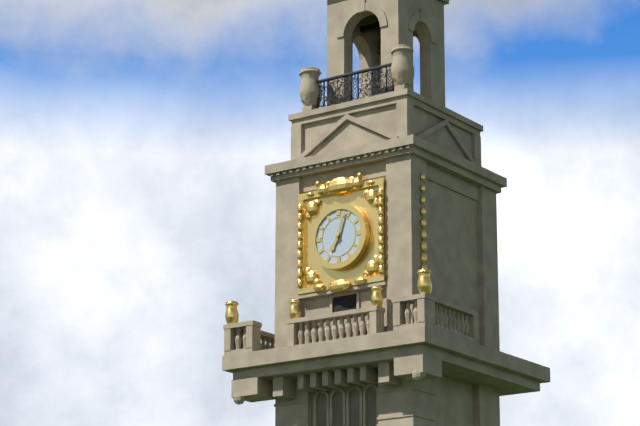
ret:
7:03
